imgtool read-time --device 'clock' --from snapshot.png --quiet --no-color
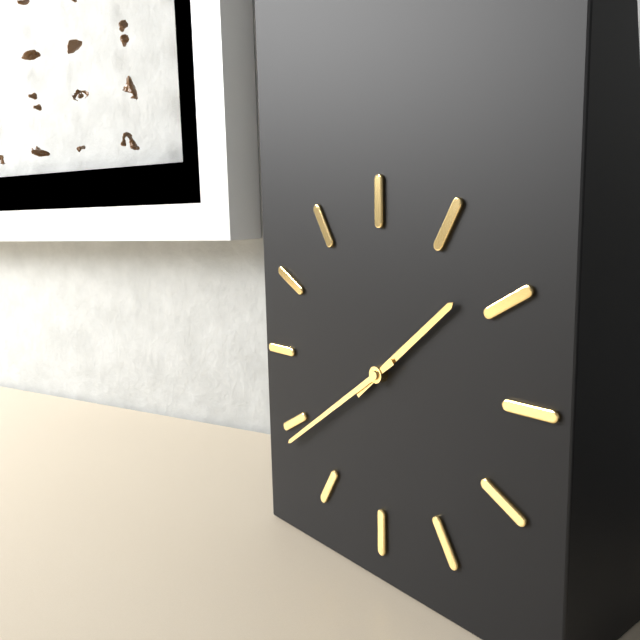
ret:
1:39
